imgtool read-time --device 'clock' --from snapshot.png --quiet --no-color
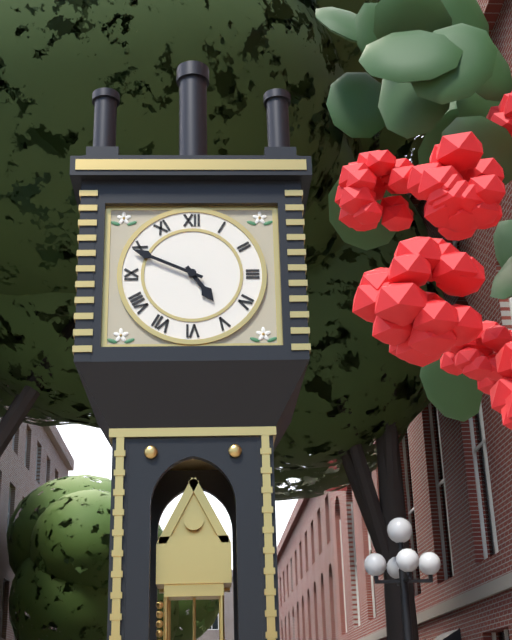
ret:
4:49
